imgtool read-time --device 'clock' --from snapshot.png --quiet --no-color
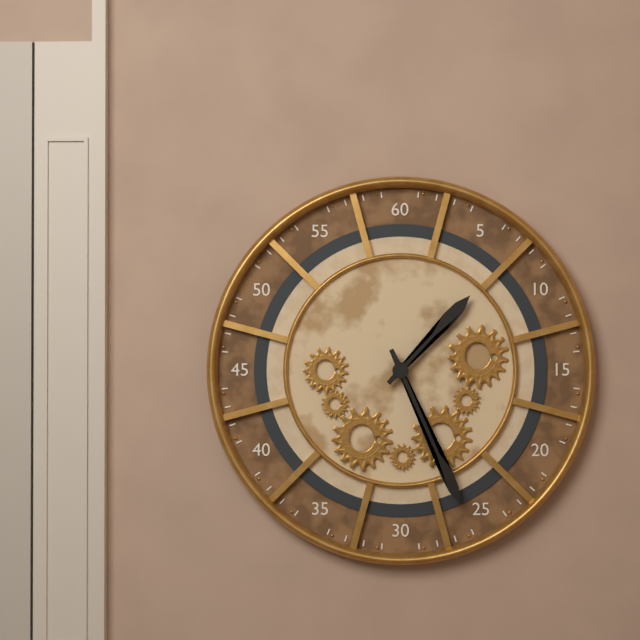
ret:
1:26
